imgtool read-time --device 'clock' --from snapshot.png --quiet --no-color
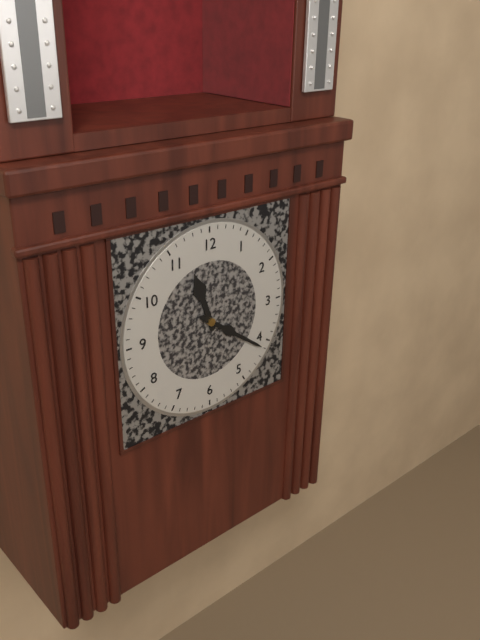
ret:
11:21
